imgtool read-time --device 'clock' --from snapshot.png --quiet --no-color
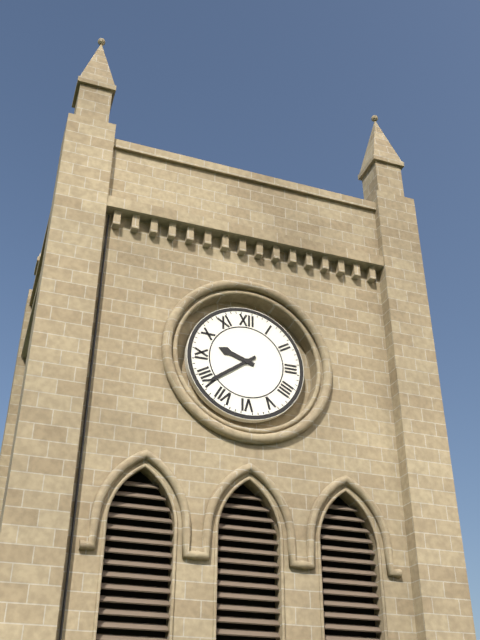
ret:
9:39
